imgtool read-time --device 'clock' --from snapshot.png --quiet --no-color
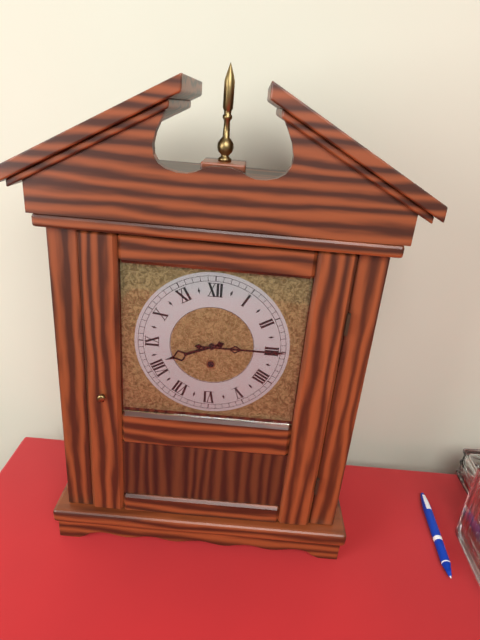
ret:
8:15
